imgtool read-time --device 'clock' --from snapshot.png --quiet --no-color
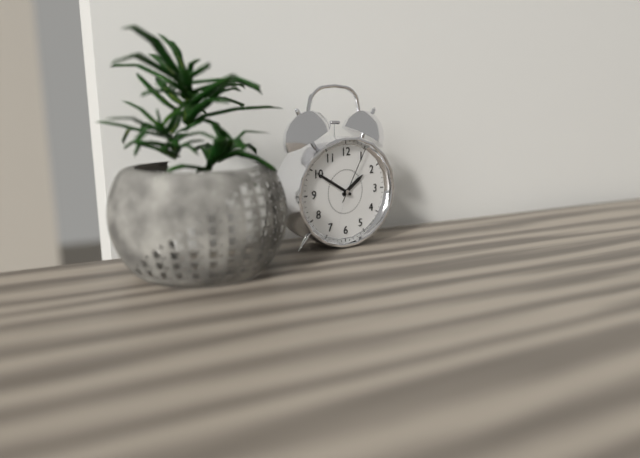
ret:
1:50:05
